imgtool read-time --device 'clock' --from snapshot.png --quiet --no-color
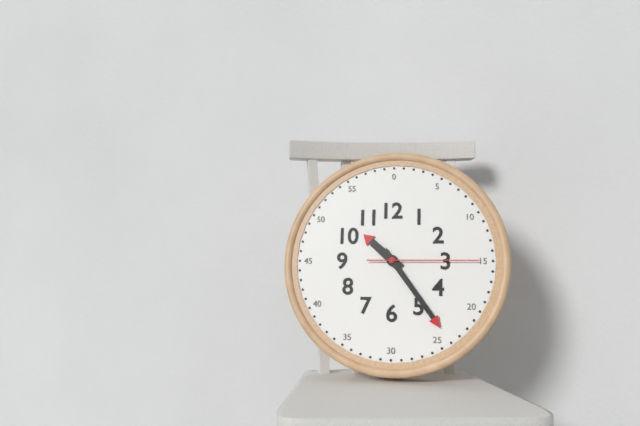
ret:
10:24:15
